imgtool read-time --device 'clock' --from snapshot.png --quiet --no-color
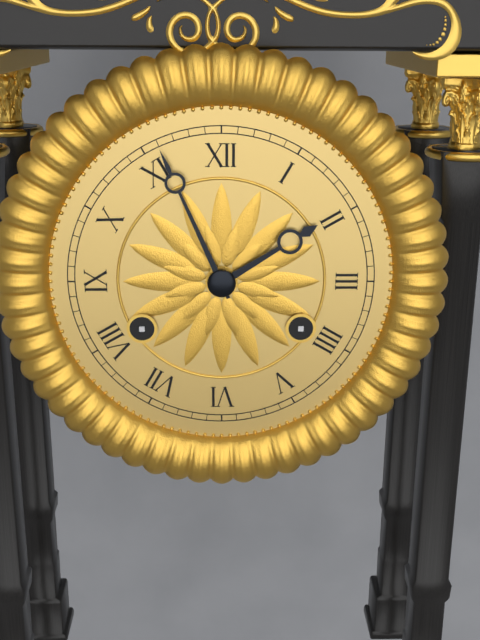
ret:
1:56
